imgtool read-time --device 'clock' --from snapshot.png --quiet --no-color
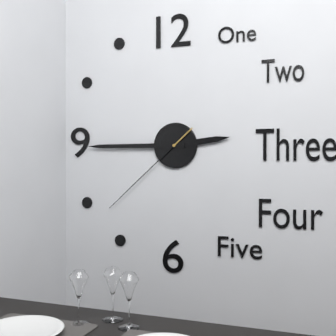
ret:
2:45:38
